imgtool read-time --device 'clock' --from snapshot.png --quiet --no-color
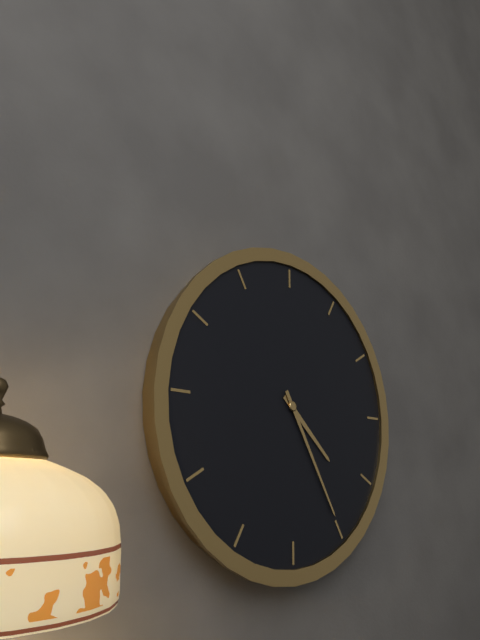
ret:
4:25
